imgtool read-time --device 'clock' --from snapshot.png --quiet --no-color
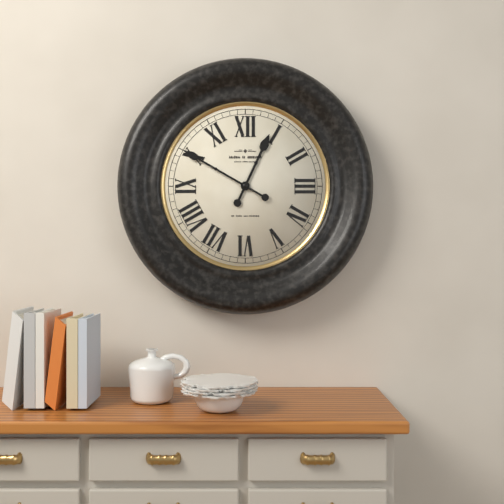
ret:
12:50
